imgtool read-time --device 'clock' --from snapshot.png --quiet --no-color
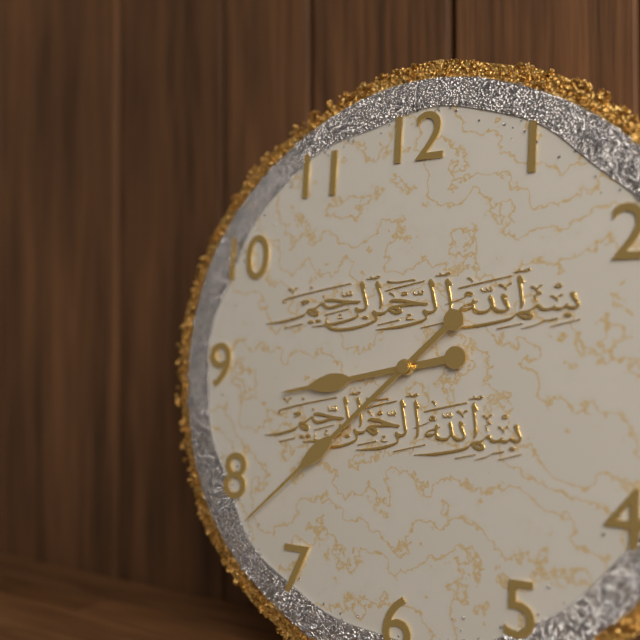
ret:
8:38
